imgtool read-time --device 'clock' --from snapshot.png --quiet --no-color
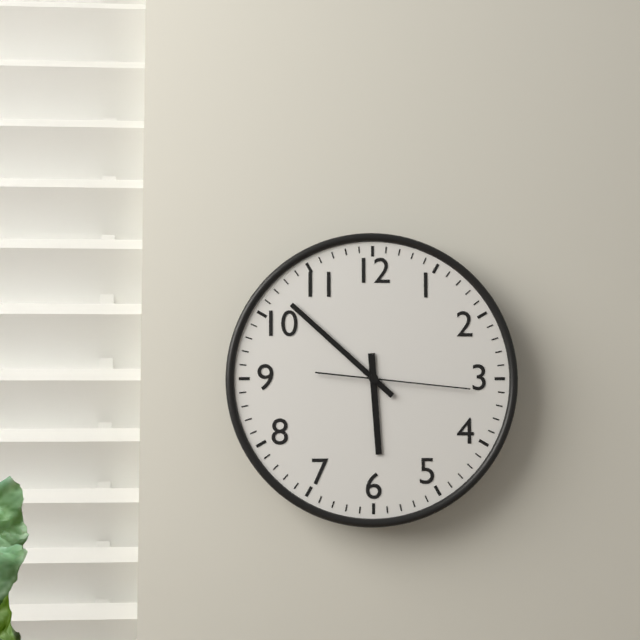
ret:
5:52:16
